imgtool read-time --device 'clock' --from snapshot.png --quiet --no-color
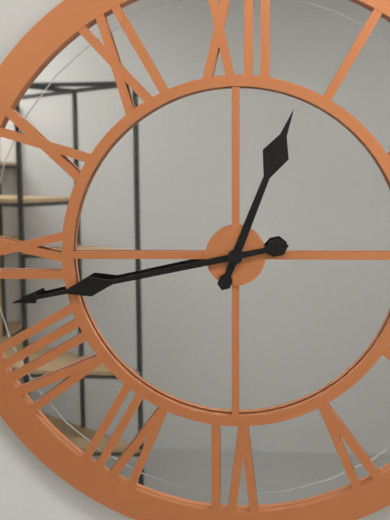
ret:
12:43
